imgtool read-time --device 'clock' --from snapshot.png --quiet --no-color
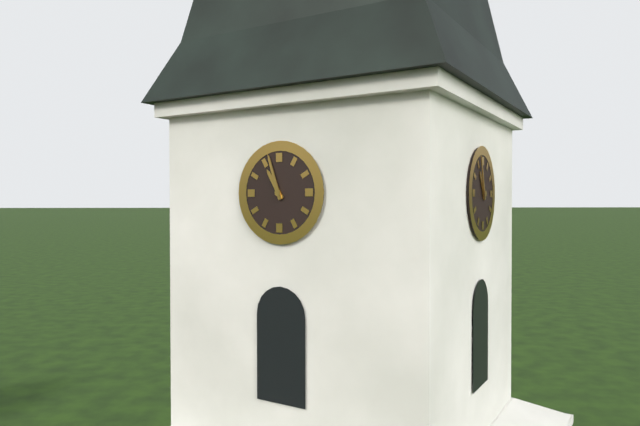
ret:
10:57
